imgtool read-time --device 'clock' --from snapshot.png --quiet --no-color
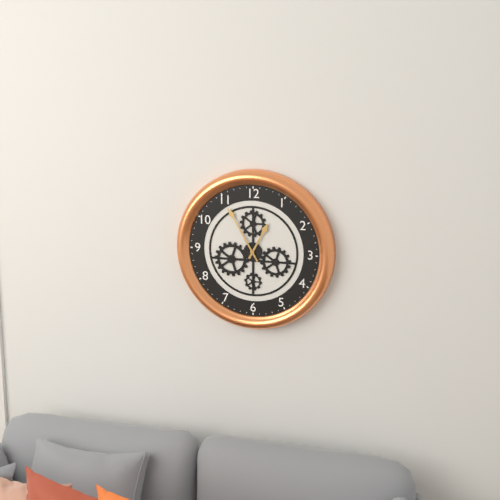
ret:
12:55
